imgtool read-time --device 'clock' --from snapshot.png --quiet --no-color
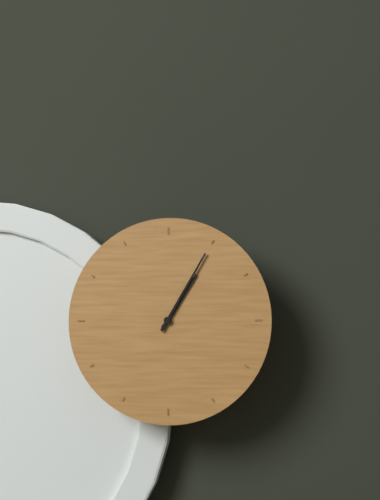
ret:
1:05
